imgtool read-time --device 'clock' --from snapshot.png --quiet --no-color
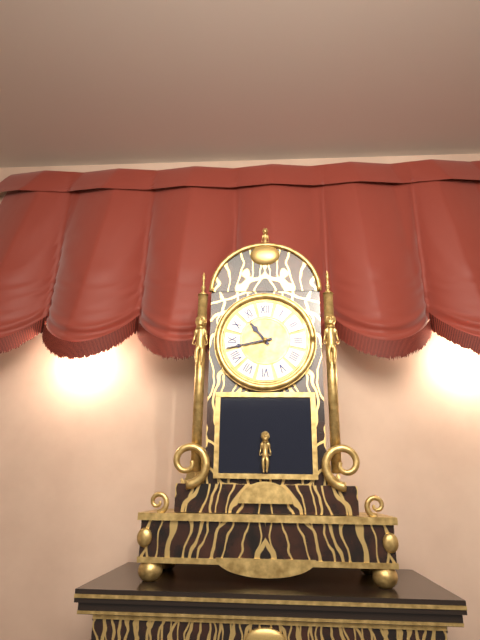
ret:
10:43
